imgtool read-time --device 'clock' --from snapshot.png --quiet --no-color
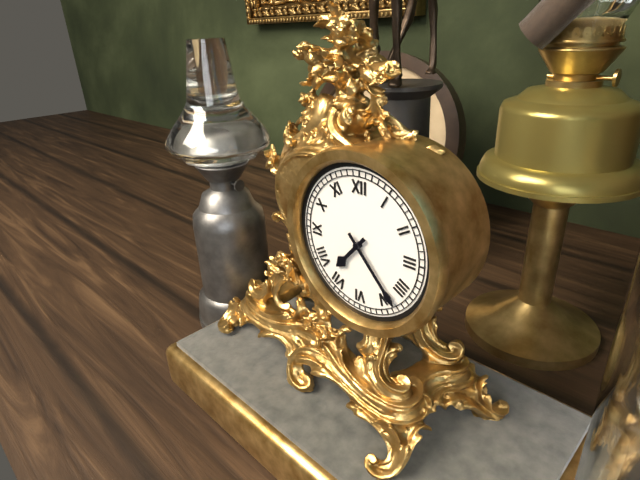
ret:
7:23
